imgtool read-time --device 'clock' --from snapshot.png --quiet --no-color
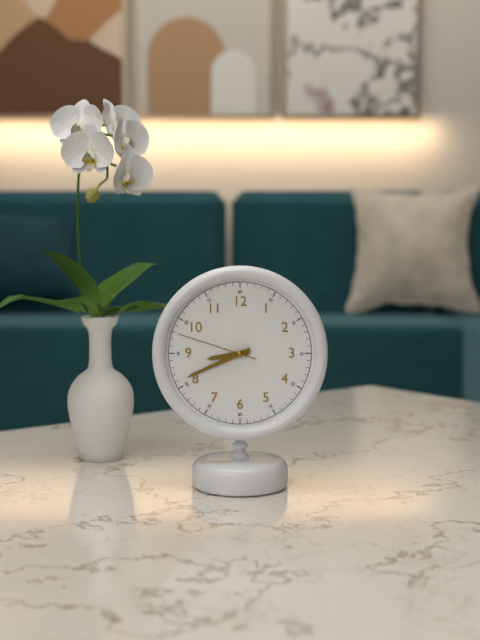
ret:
8:41:48
